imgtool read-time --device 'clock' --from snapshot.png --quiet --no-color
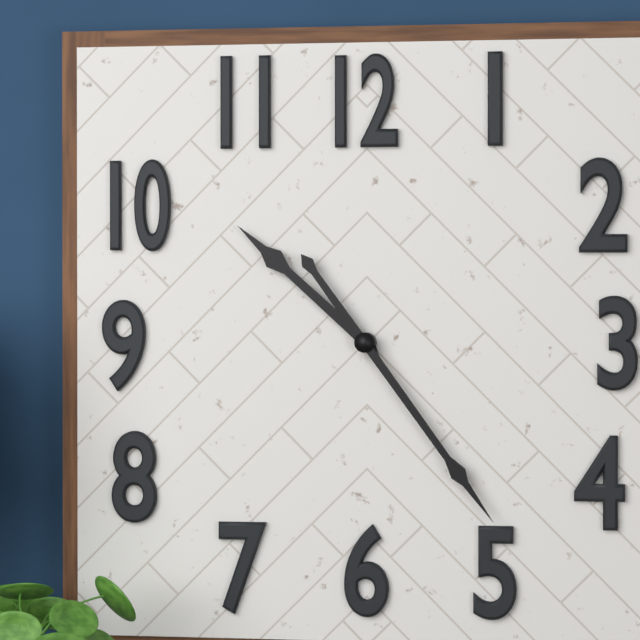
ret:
10:24
